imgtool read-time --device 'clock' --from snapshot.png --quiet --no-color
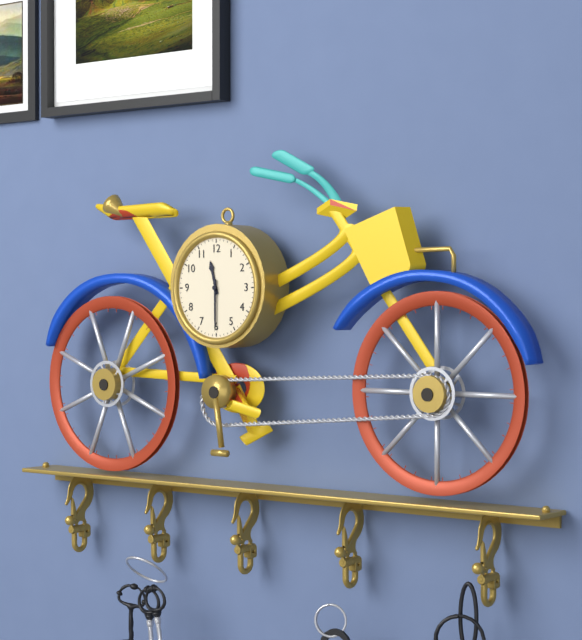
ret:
11:30
